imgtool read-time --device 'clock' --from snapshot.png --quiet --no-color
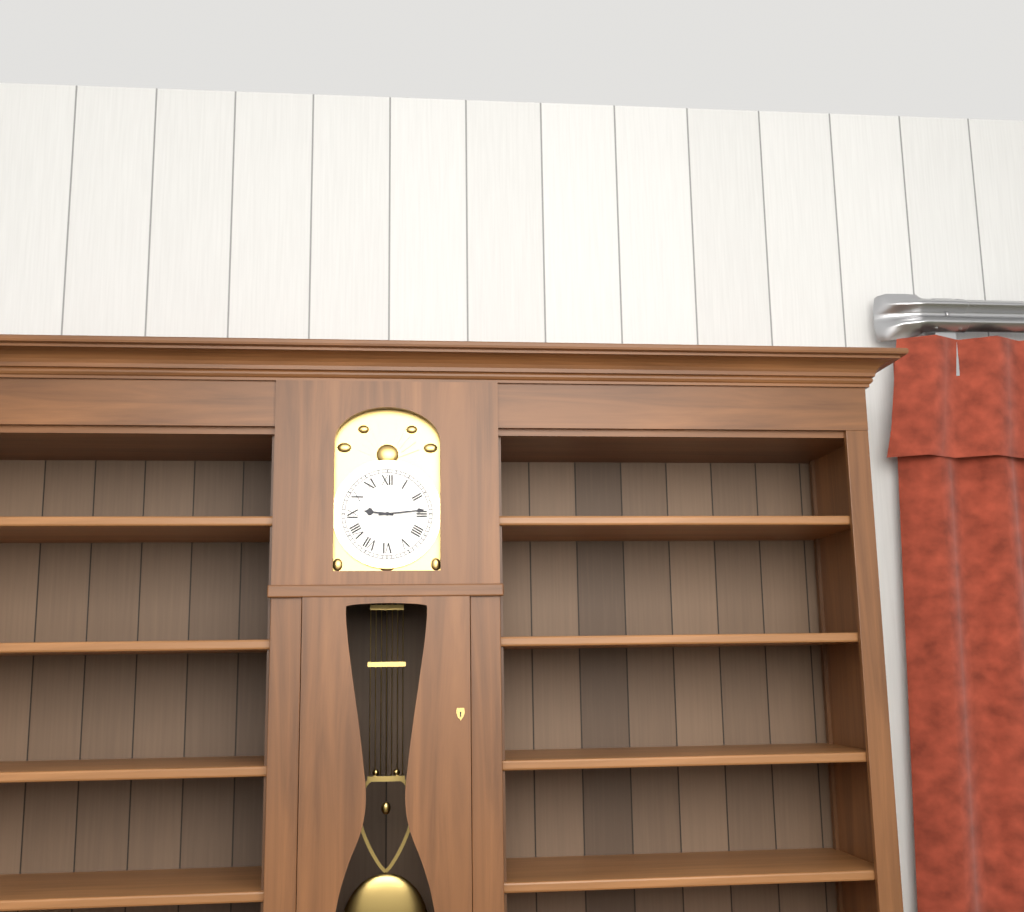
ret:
9:14
